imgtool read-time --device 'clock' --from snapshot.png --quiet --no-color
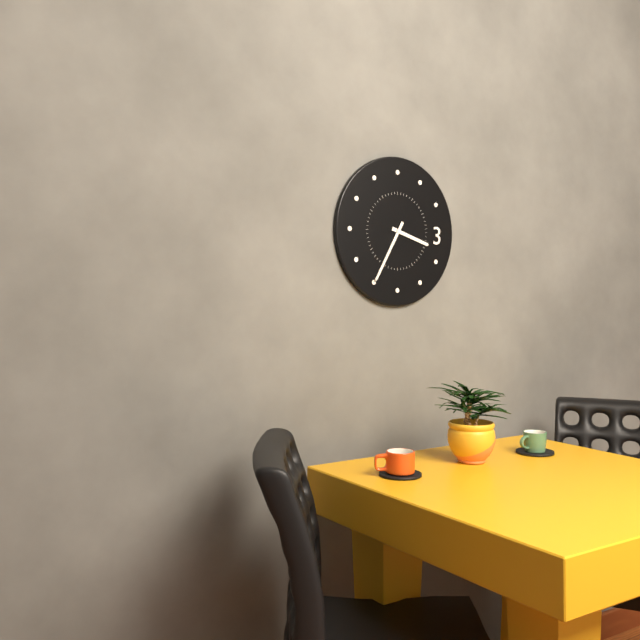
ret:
3:35
